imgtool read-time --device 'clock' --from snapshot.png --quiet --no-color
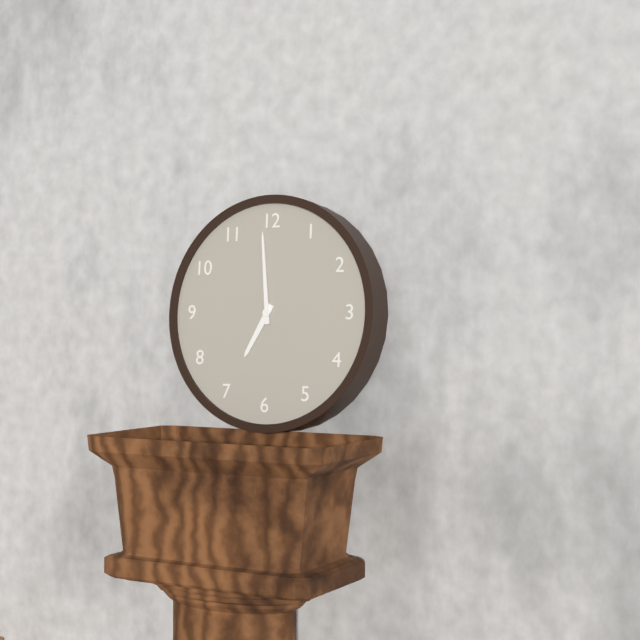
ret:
6:59
